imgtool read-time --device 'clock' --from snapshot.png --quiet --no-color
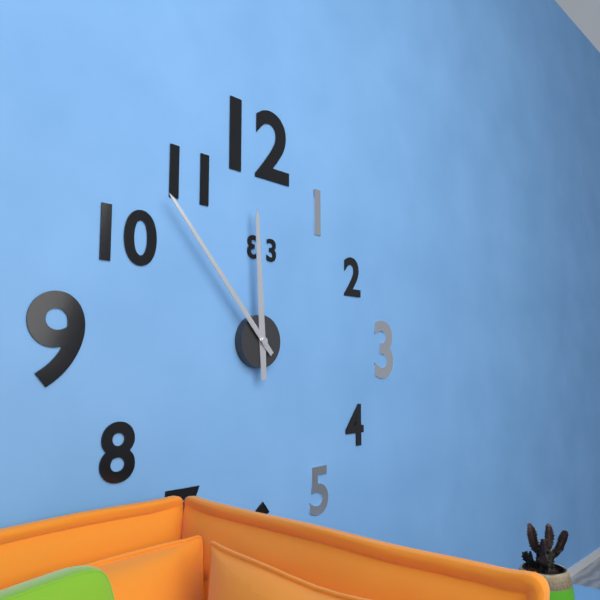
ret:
11:53
